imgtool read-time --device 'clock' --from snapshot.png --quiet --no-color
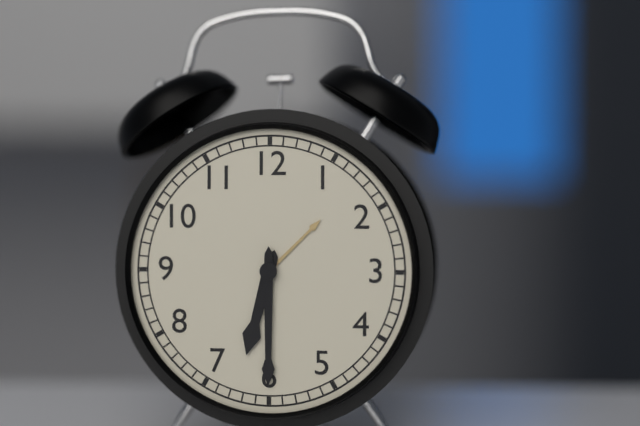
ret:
6:30
